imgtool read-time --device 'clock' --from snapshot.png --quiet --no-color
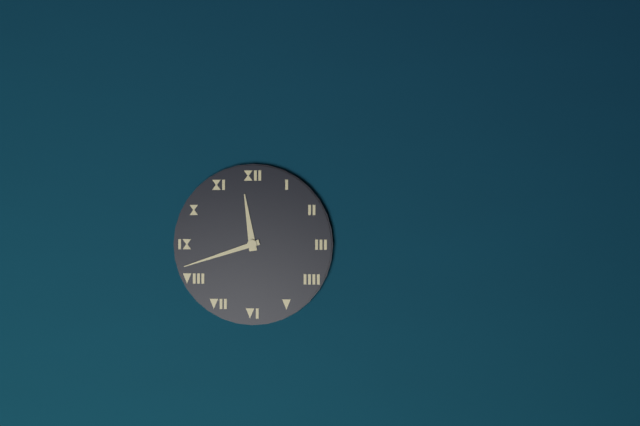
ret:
11:42
